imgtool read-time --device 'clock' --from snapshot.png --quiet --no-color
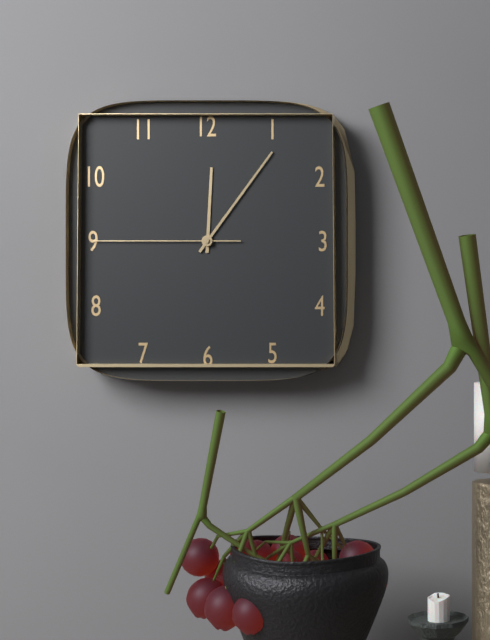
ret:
12:06:45
